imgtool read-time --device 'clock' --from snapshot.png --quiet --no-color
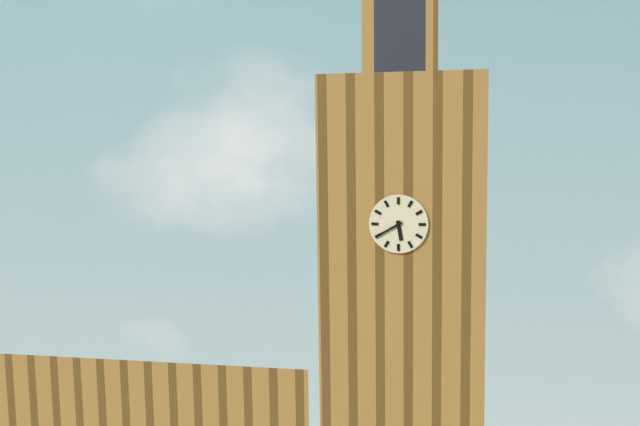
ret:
5:40
